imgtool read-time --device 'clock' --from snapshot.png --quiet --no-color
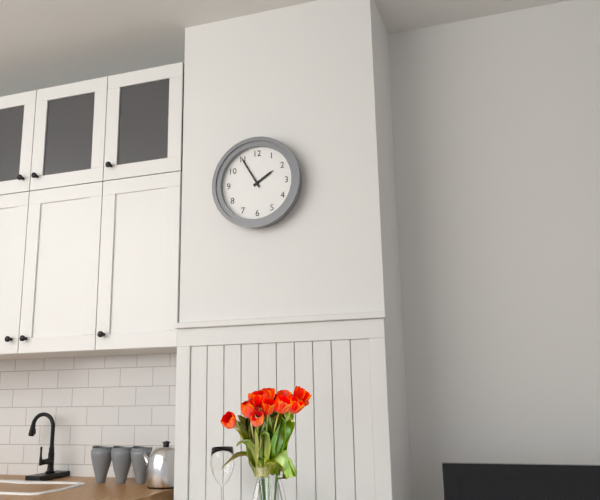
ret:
1:55
